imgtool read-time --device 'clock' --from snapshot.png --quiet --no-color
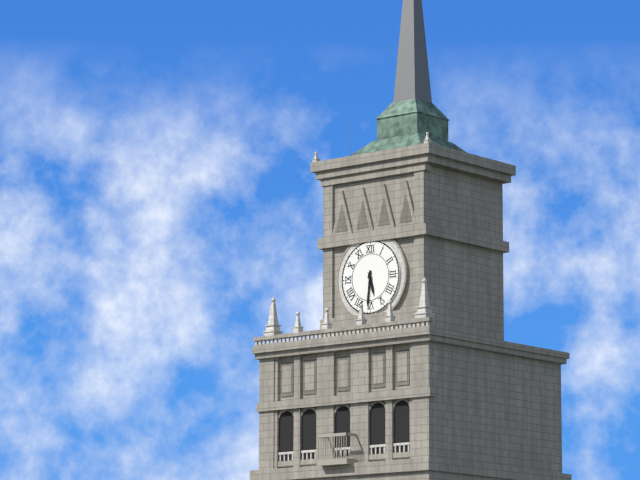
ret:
5:31
